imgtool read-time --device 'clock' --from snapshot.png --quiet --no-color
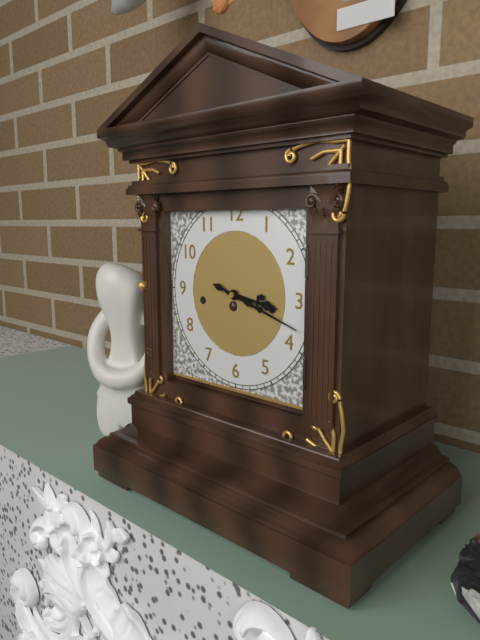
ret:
3:18
